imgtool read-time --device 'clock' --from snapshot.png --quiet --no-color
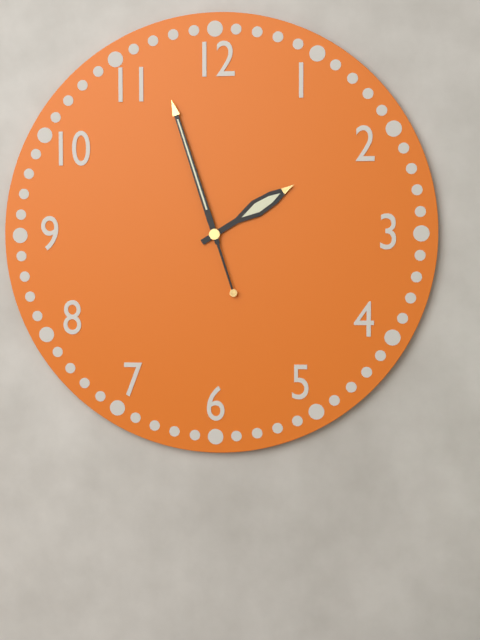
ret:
1:57
